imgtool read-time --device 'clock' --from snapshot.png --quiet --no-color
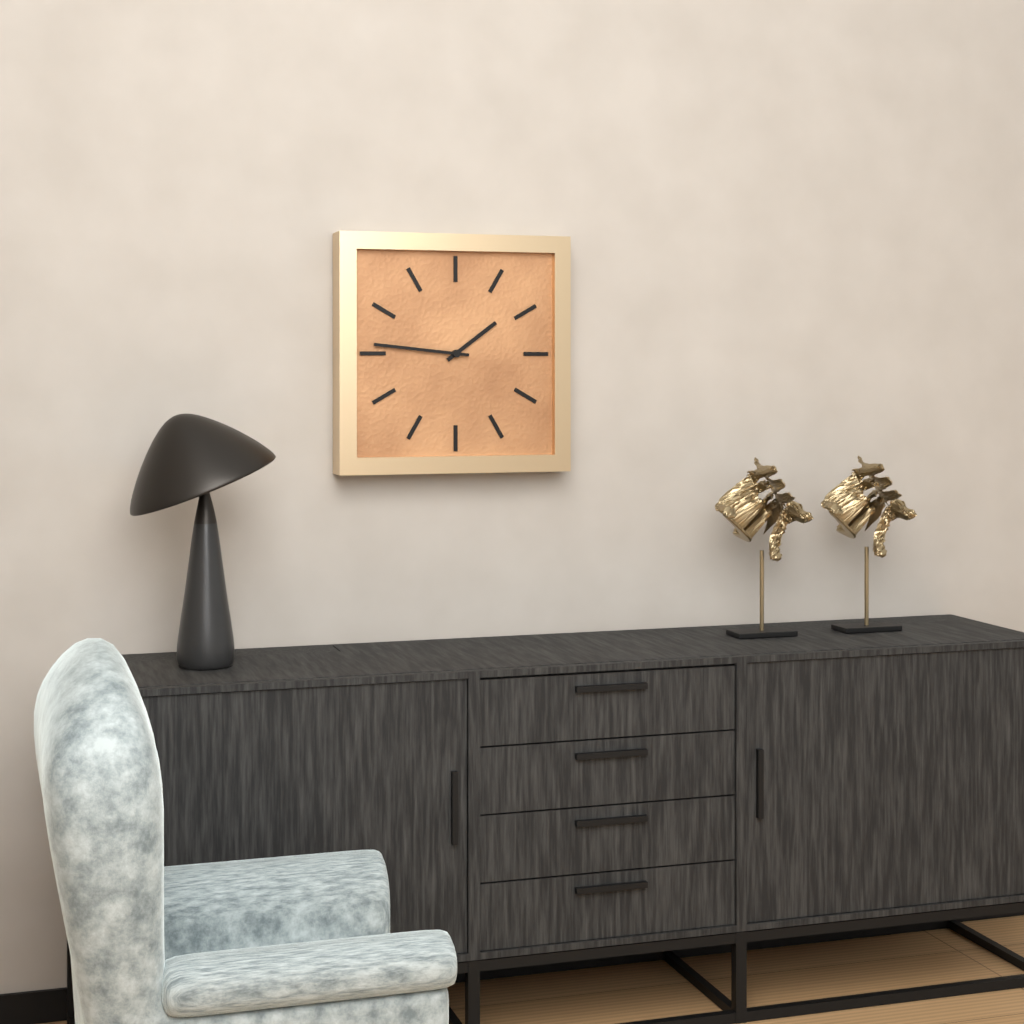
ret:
1:46
